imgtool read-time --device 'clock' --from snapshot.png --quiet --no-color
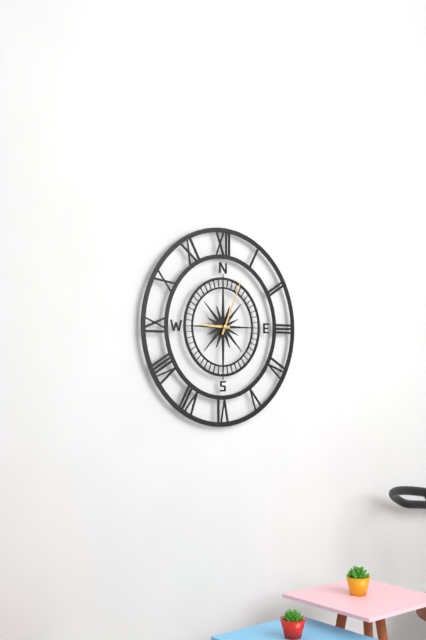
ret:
9:04
